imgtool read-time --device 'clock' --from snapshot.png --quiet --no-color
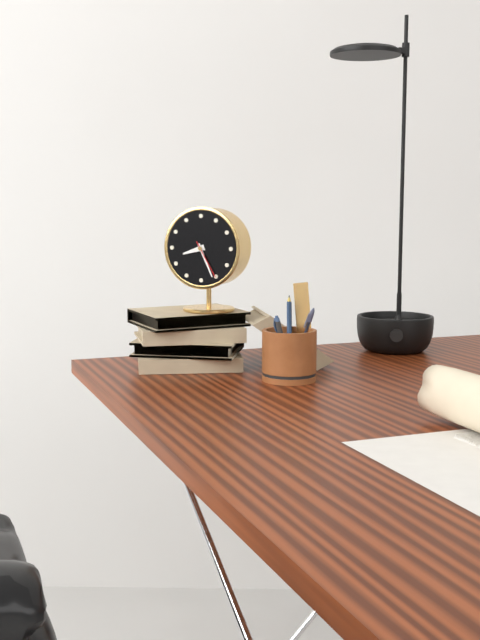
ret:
8:26
